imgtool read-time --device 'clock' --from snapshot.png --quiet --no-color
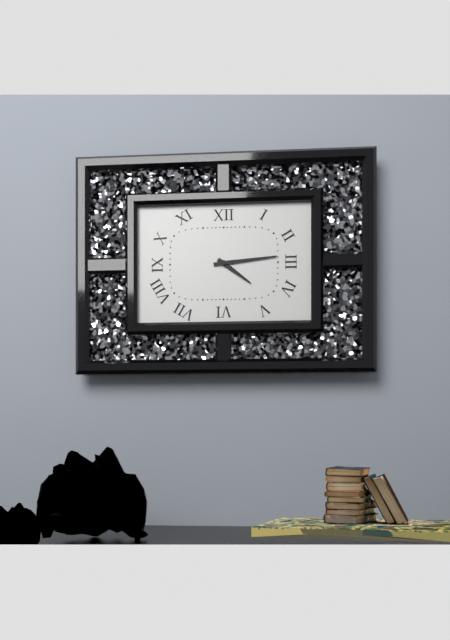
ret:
4:14
